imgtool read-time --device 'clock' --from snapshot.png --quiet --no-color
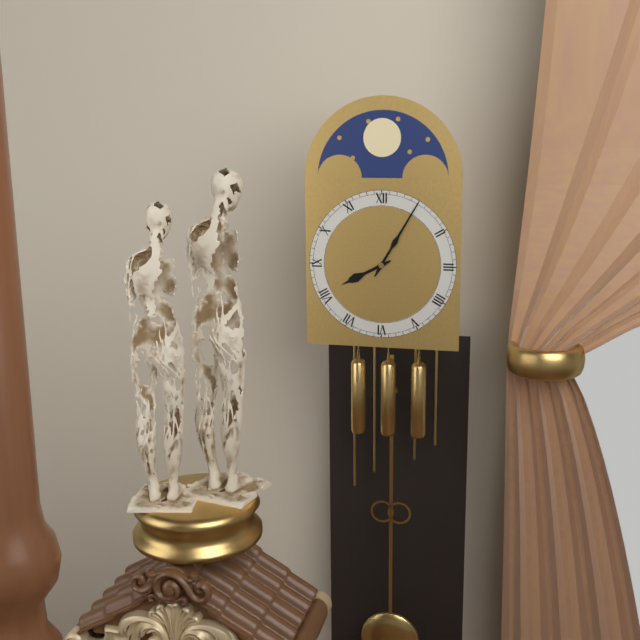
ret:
8:05
